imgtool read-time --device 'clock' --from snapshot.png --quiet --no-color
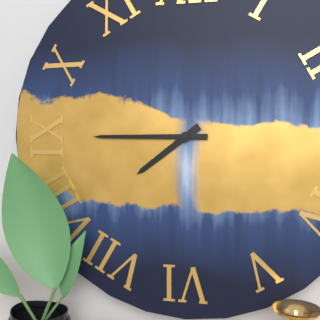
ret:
7:45
